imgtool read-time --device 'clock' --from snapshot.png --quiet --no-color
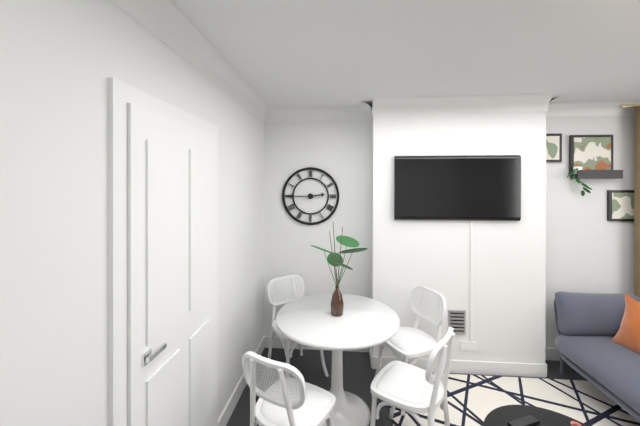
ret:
2:45
